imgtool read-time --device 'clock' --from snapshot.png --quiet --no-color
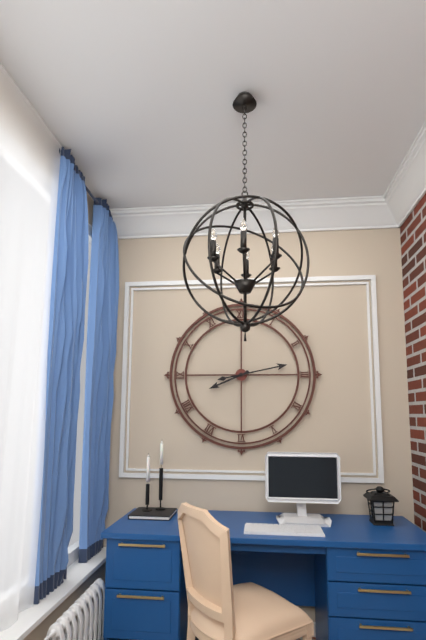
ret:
8:13
